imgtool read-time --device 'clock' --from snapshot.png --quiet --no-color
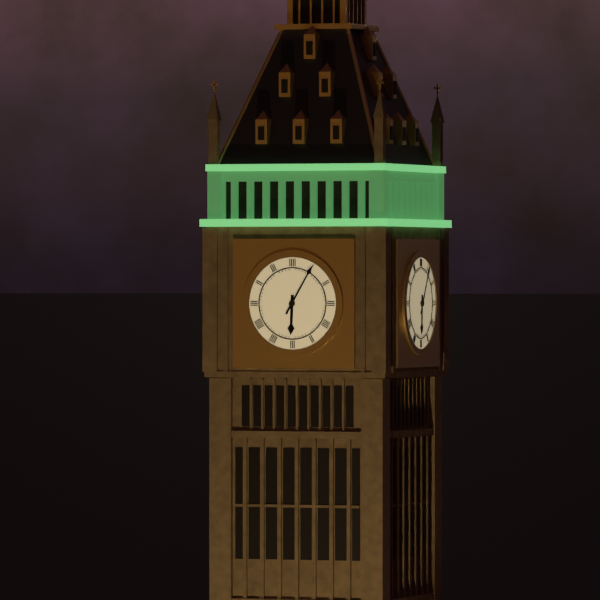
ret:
6:05
